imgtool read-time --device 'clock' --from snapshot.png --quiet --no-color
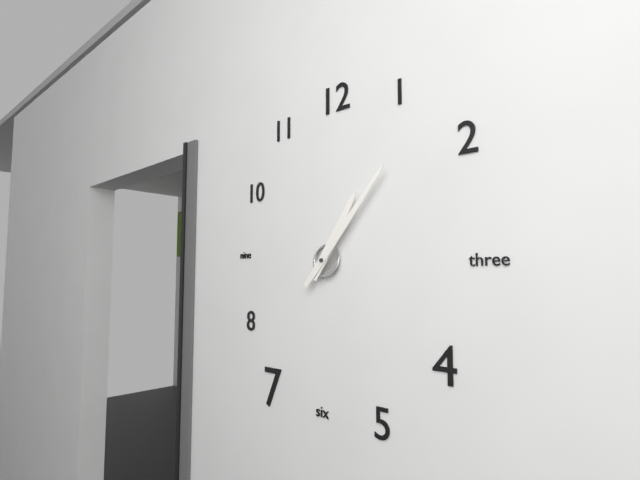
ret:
1:07
